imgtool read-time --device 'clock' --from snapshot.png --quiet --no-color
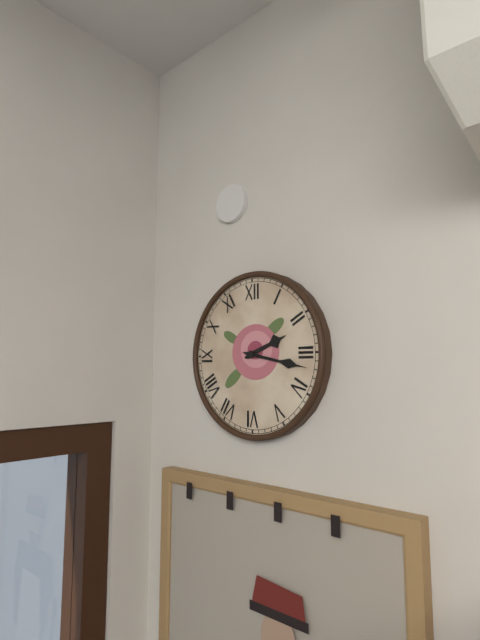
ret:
2:17
